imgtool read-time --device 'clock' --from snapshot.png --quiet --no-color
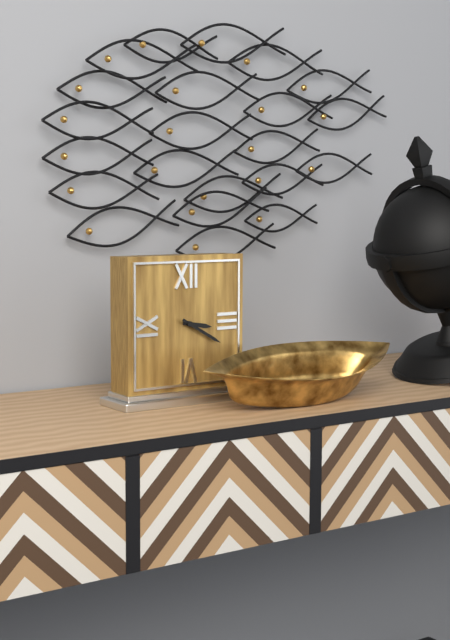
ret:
3:20
